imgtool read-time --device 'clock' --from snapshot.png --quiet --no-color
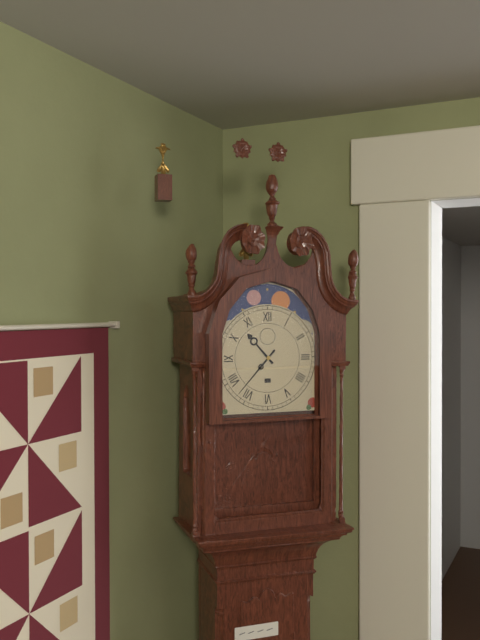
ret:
10:37
